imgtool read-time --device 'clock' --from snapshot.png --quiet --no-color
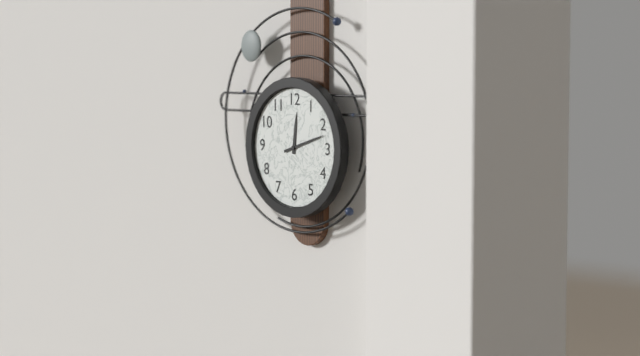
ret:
12:12
